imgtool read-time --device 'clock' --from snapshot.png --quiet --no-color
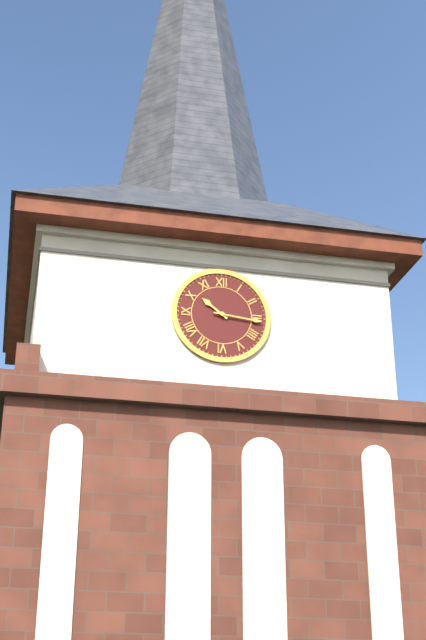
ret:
10:16
